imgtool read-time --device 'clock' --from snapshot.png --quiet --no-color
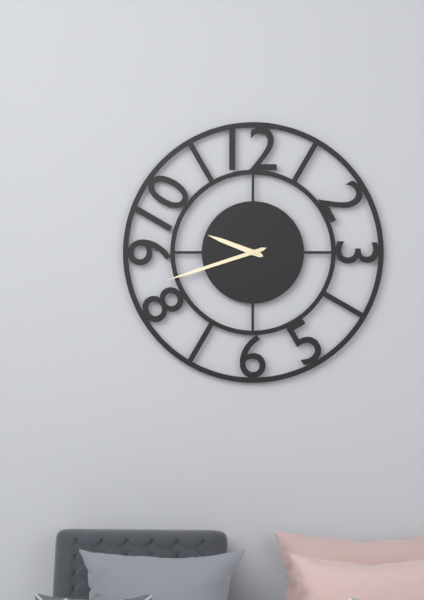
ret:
9:42
